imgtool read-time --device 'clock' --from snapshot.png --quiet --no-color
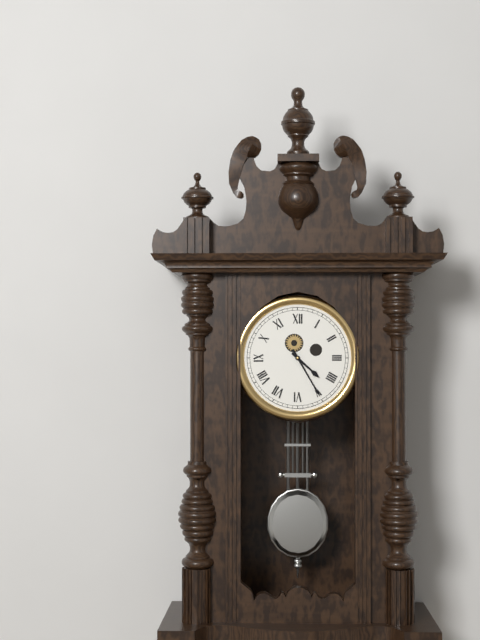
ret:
4:25
